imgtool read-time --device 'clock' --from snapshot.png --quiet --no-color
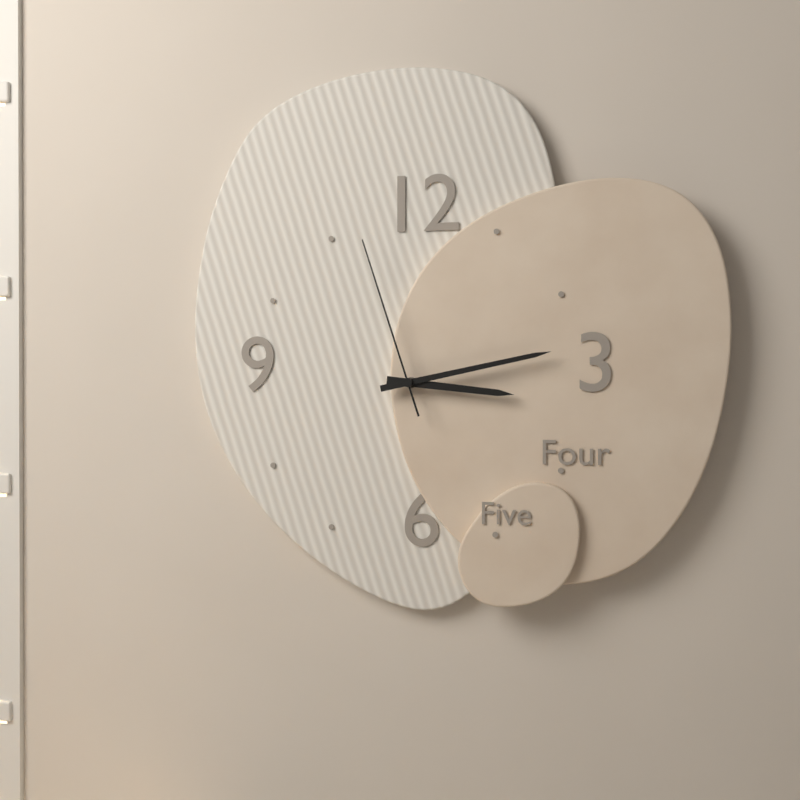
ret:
3:13:57
